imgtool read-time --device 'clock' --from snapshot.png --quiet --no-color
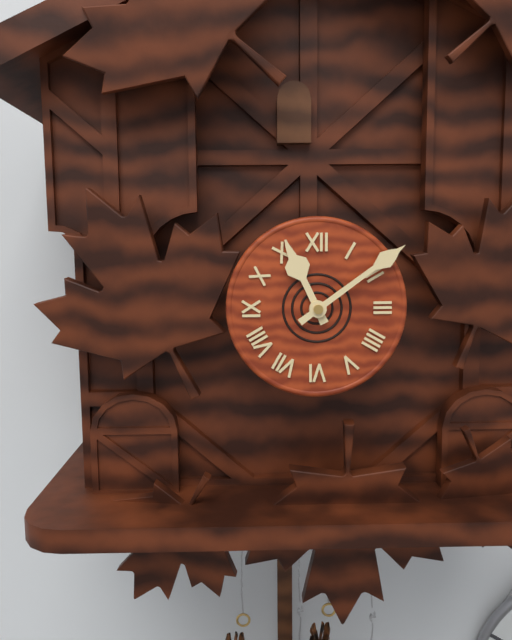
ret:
11:09
